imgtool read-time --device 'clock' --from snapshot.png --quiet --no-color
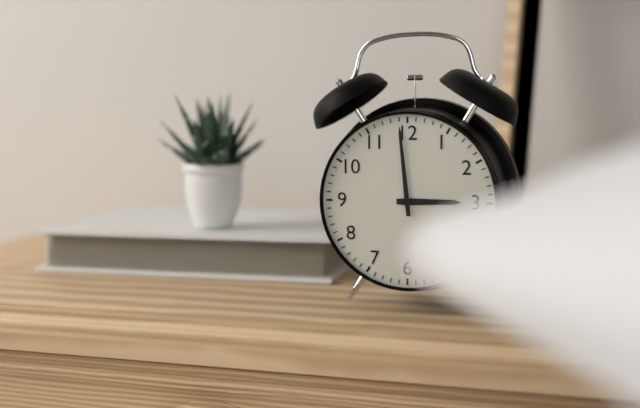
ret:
2:59
